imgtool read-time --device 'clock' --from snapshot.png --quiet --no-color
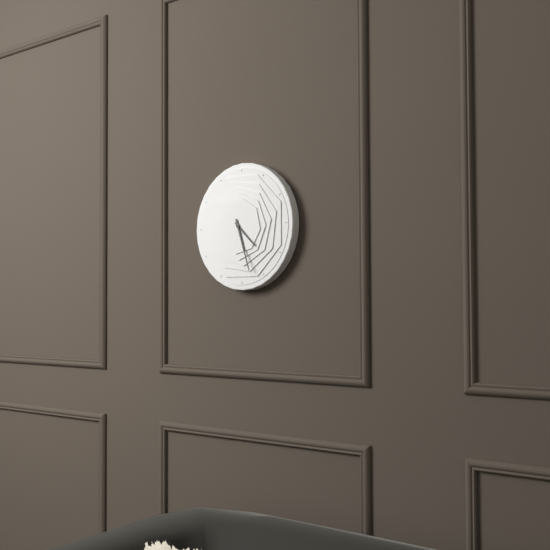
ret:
4:27
